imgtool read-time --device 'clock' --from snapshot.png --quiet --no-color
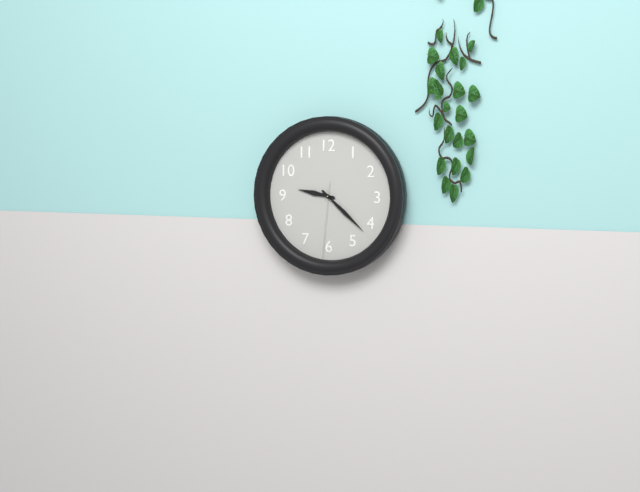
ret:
9:22:31
